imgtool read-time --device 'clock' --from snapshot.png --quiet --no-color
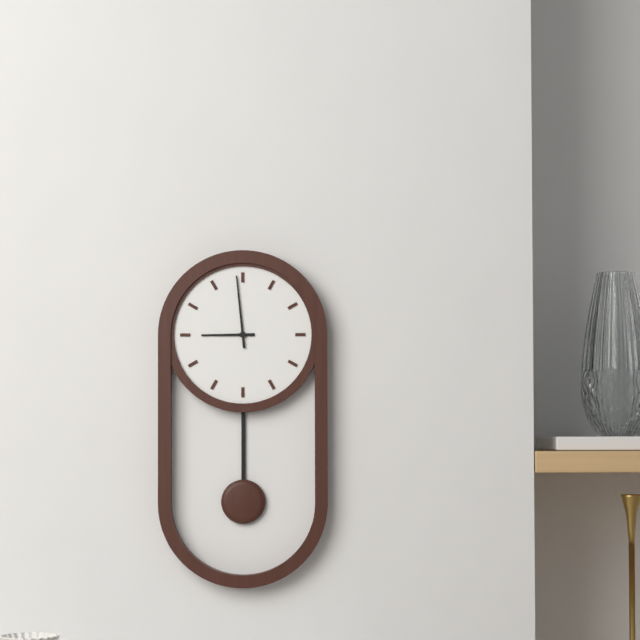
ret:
8:59
